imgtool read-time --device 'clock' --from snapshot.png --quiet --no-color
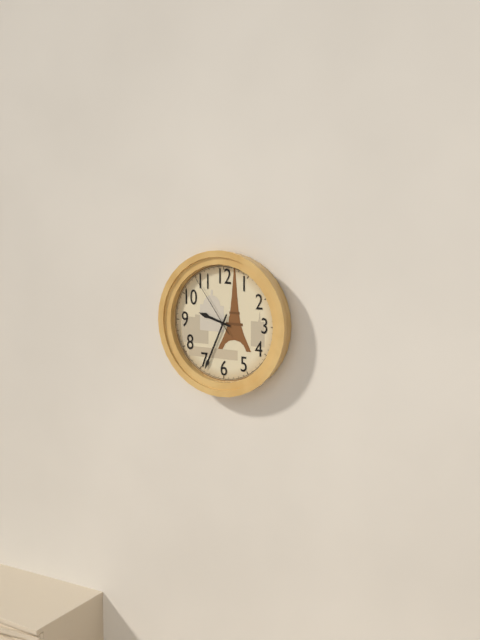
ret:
9:34:54
